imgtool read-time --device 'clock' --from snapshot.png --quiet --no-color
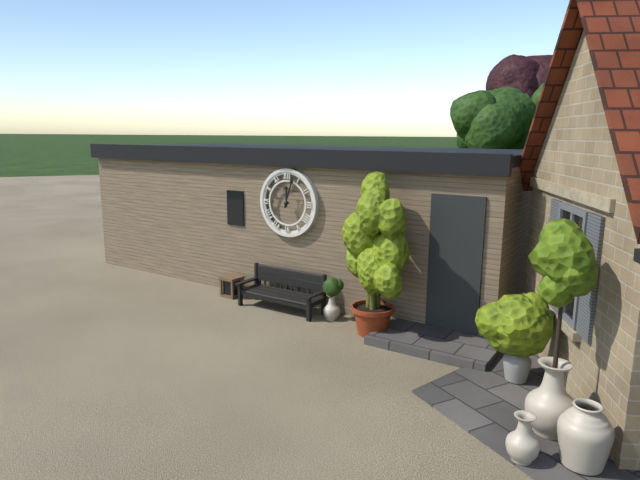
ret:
12:03
